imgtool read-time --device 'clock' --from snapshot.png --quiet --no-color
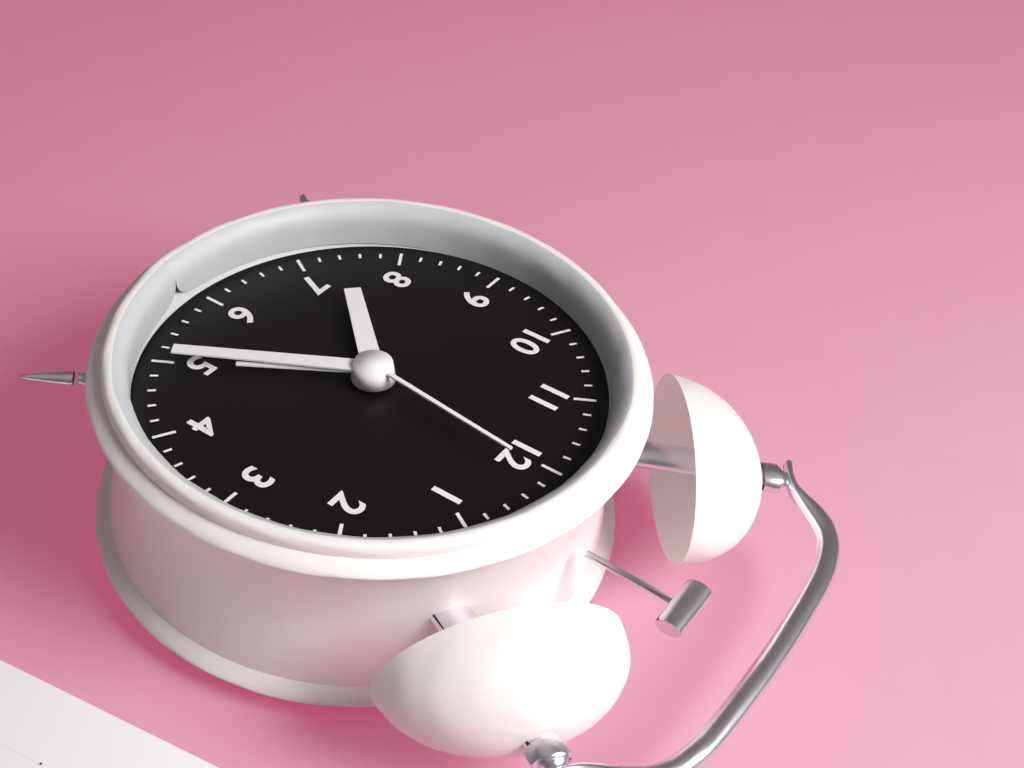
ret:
7:25:01
